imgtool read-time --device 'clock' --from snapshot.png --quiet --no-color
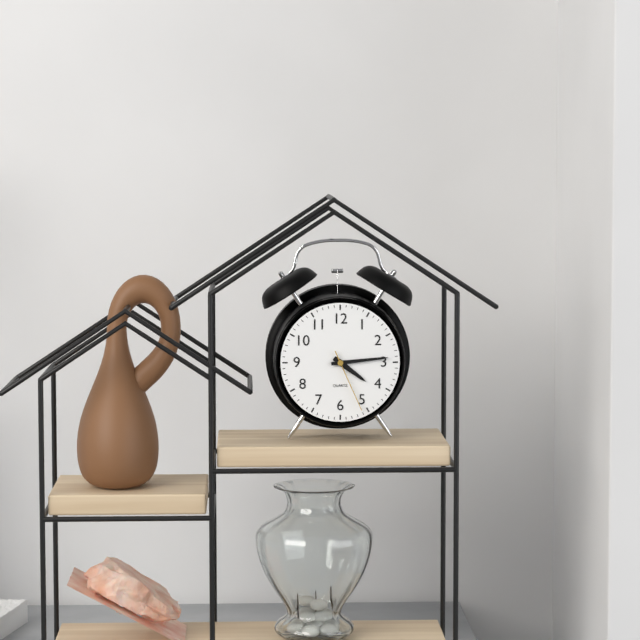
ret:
4:14:26
